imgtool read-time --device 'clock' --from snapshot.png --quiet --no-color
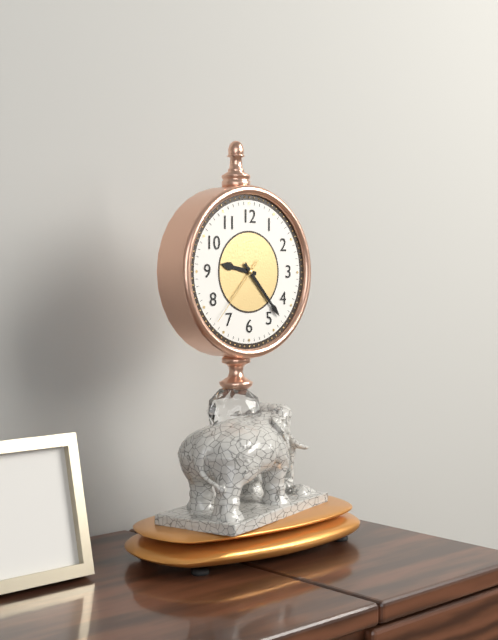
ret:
9:23:37
